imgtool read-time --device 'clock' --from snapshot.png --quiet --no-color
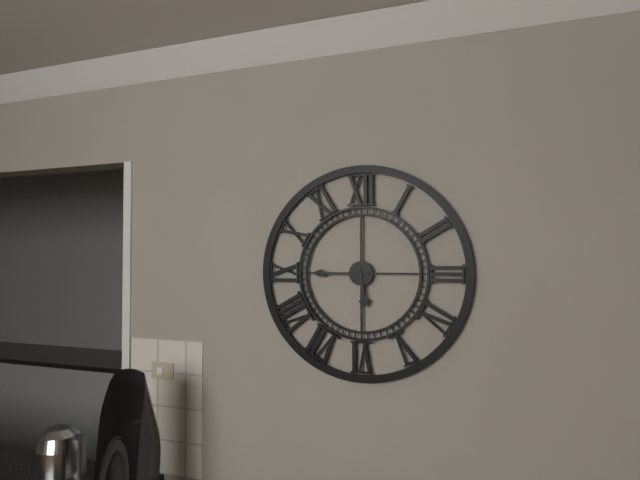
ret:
5:45
